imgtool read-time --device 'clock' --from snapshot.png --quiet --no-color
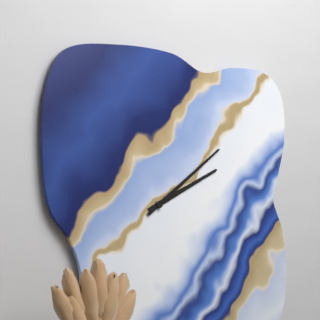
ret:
2:09
